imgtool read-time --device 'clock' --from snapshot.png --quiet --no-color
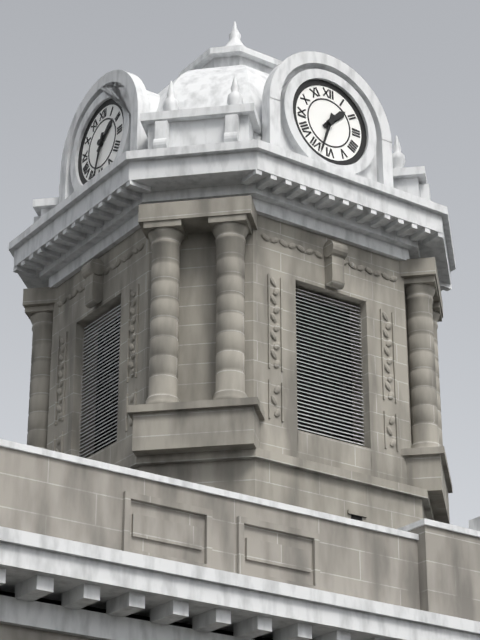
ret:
1:33
